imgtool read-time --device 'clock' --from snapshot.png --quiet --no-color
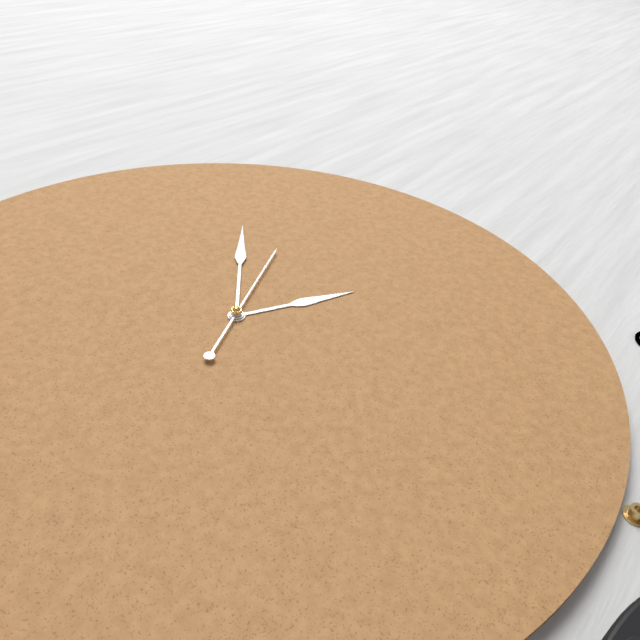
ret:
12:53:56
